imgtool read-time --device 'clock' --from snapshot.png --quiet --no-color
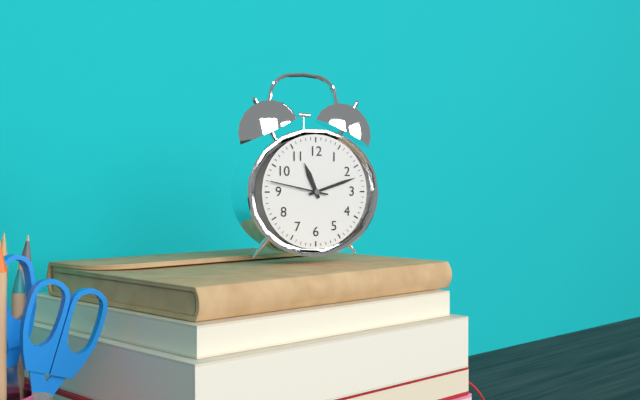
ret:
11:12:47
